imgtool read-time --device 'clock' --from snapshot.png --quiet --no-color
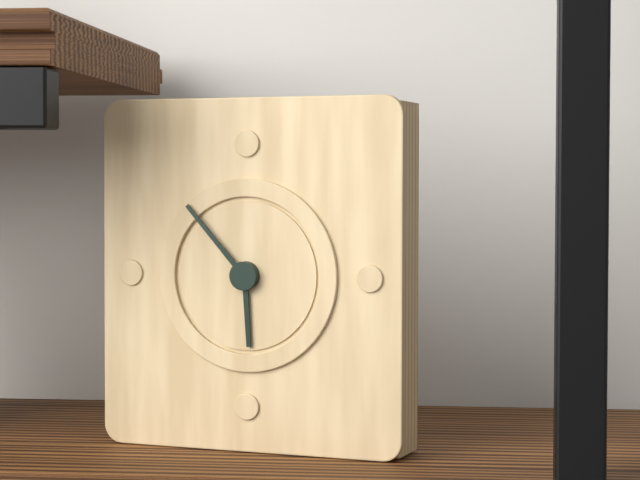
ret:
5:53
